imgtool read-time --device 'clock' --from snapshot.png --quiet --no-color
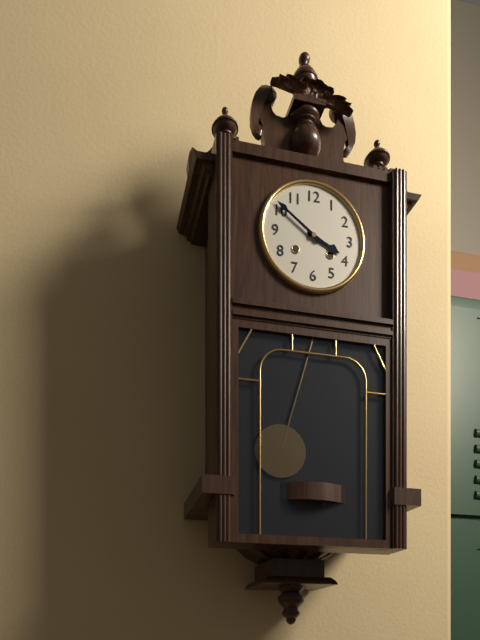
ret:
3:51
